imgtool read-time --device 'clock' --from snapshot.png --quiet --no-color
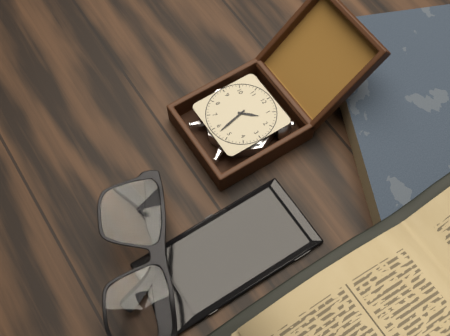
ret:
1:28
